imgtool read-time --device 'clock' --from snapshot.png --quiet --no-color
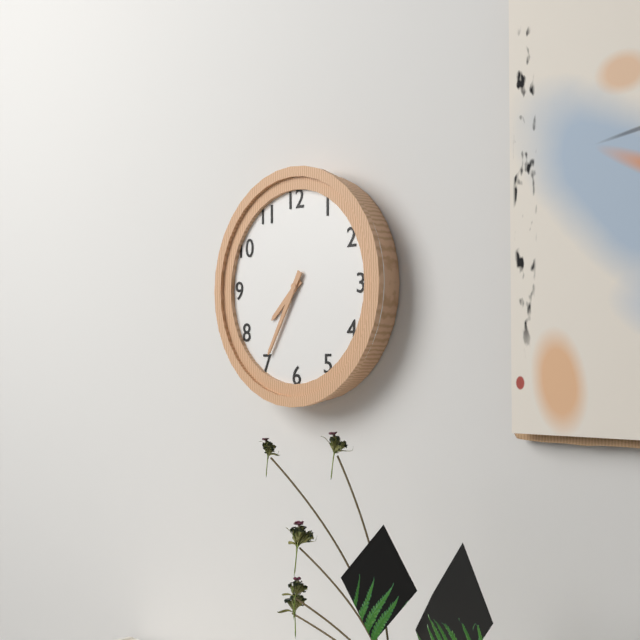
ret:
7:35
